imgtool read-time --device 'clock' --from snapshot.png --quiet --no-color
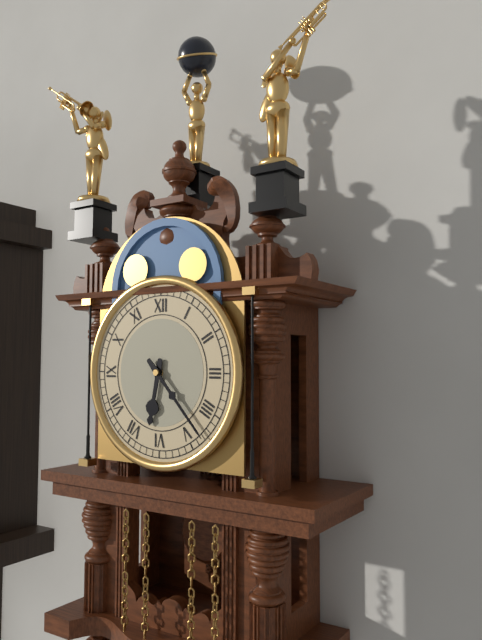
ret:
6:23
